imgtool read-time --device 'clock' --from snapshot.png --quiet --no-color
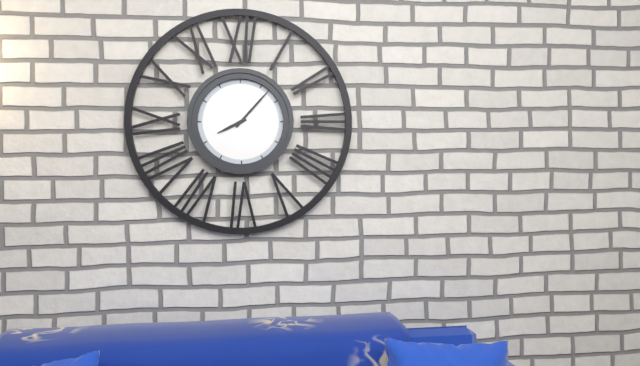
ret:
8:07
